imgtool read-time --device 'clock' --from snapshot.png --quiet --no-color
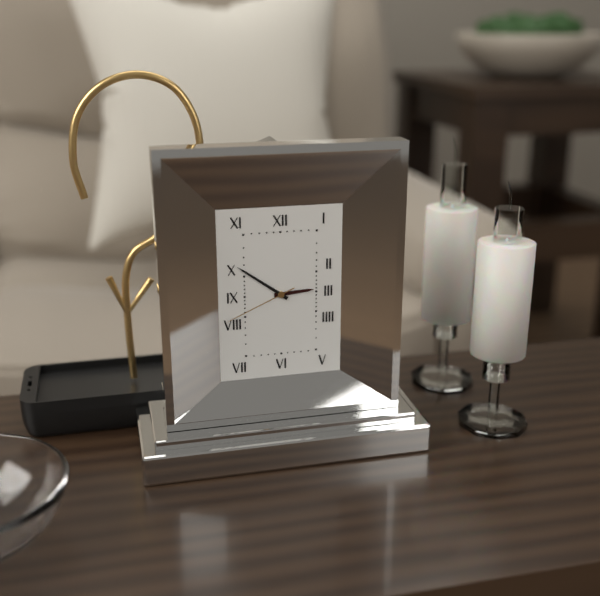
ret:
2:51:41
